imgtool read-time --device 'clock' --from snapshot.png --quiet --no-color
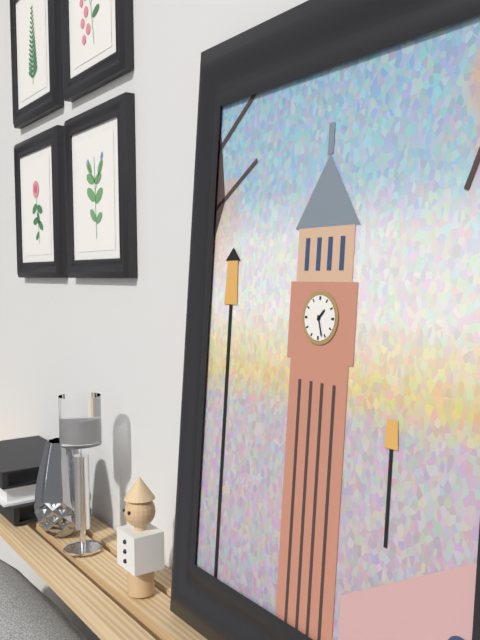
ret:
1:27
